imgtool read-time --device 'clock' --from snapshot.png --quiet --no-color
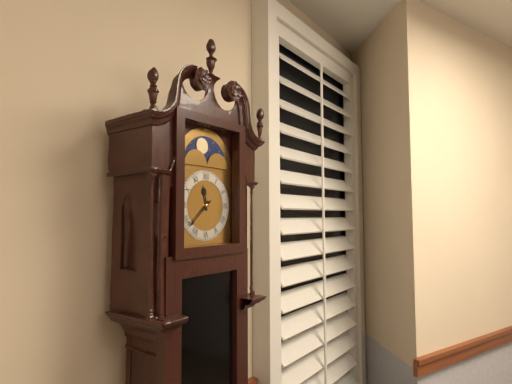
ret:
11:38
